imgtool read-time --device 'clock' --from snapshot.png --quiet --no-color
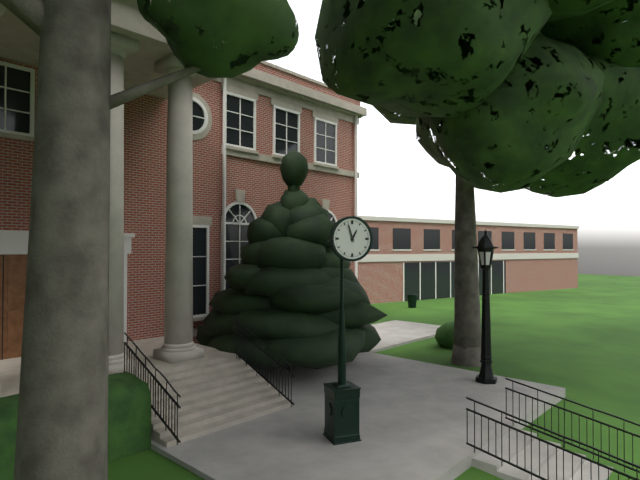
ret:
12:57
